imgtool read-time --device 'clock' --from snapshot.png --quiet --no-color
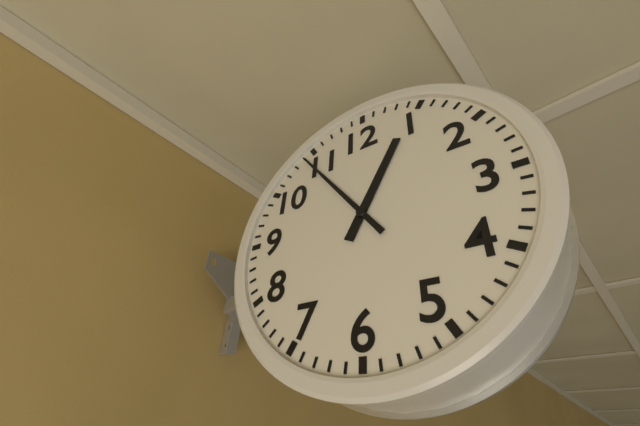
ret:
12:54
